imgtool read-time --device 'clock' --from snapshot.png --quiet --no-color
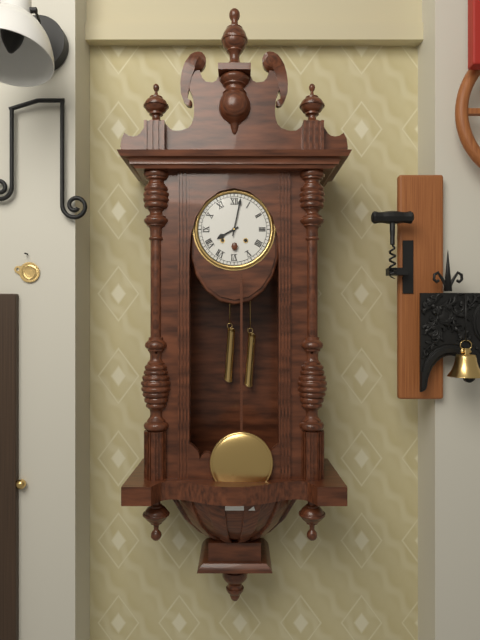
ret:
8:02
